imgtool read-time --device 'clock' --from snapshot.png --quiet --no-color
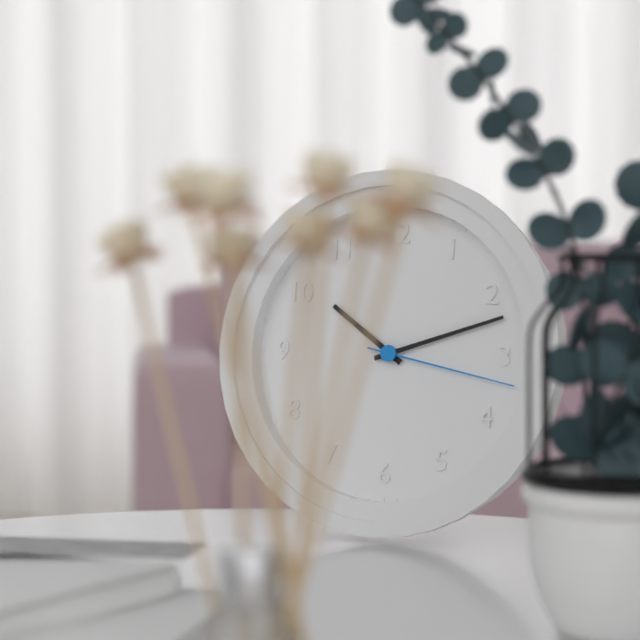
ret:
10:12:17
